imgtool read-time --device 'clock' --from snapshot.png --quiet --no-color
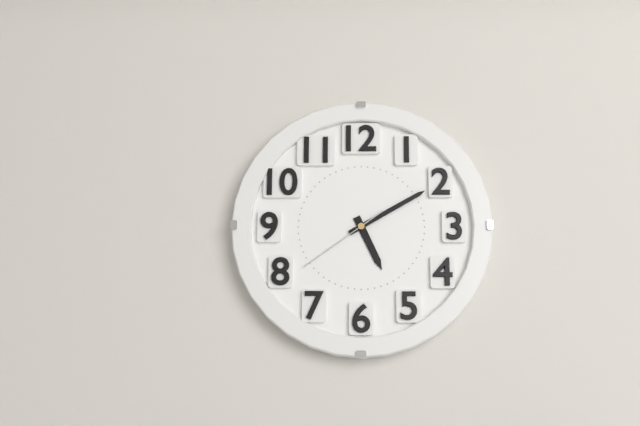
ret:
5:10:39
